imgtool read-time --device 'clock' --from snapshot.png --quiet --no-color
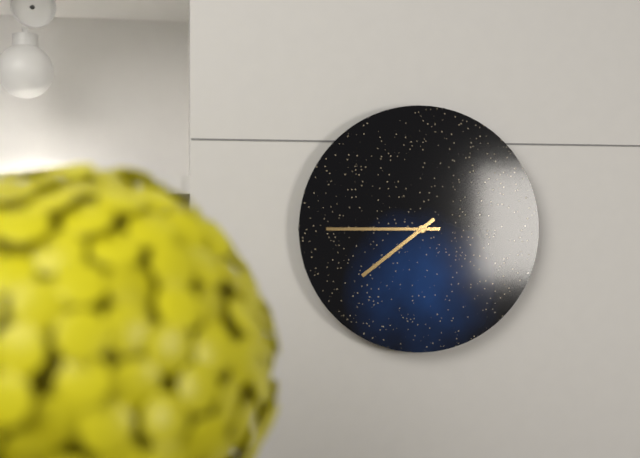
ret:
7:45
